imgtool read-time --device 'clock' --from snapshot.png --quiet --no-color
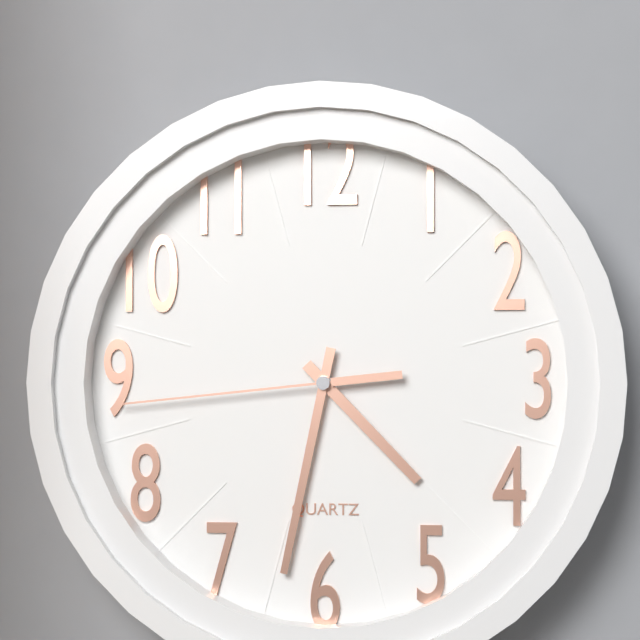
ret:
4:32:44
